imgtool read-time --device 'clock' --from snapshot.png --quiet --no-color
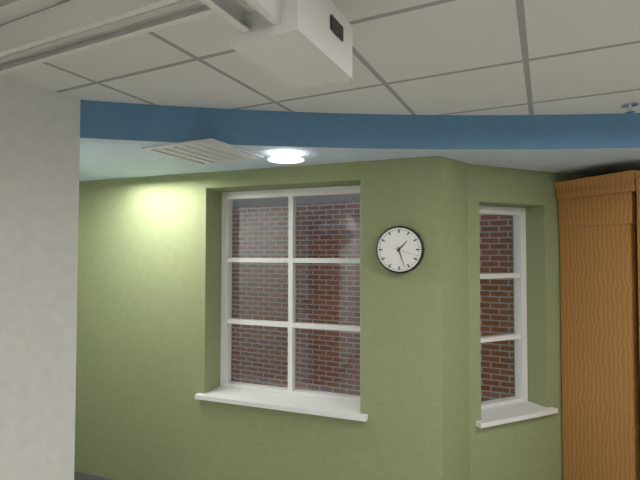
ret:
1:27
